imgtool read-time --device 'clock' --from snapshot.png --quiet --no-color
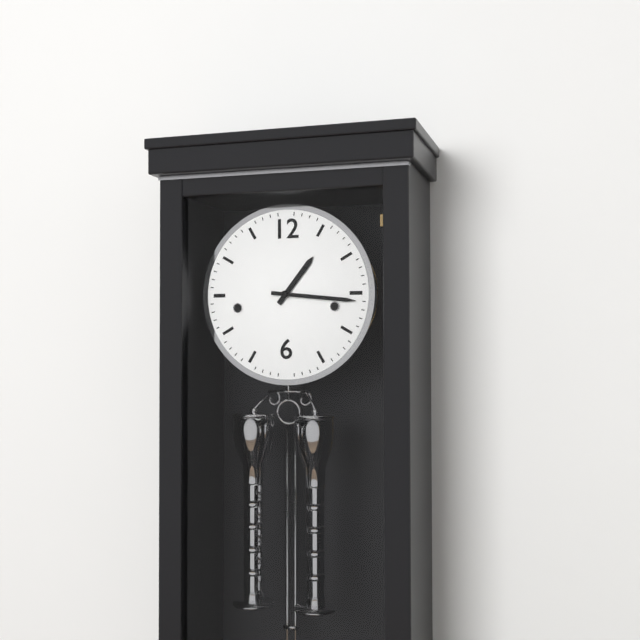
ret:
1:16
